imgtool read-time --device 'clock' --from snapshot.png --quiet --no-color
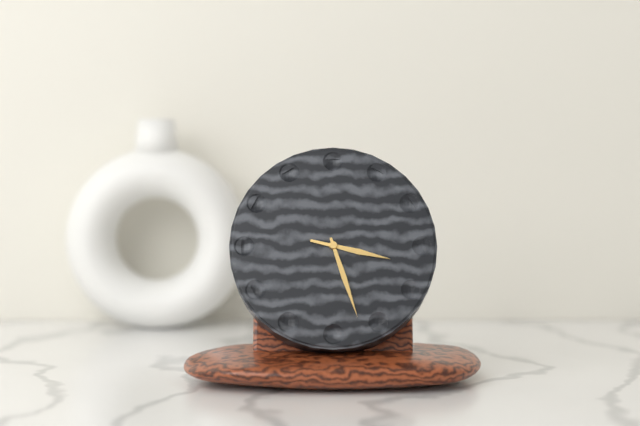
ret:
3:27
